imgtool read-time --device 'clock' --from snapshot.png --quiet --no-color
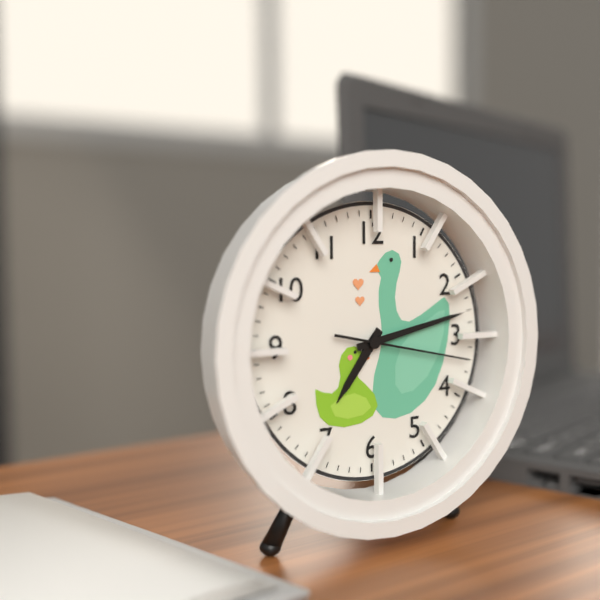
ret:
7:13:17
